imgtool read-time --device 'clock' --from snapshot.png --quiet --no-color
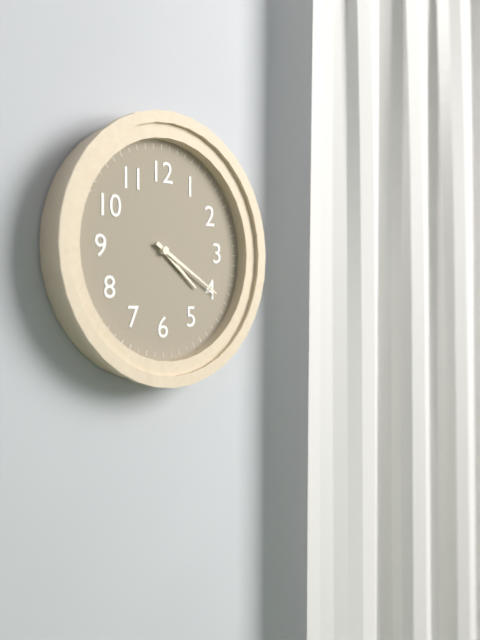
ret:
4:20
